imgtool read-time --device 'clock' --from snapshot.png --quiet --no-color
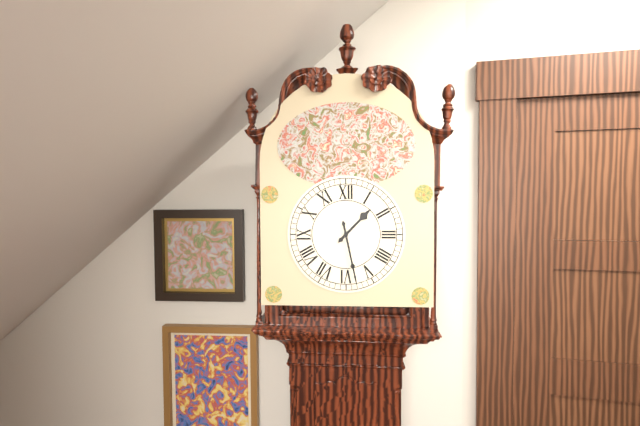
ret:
1:28
